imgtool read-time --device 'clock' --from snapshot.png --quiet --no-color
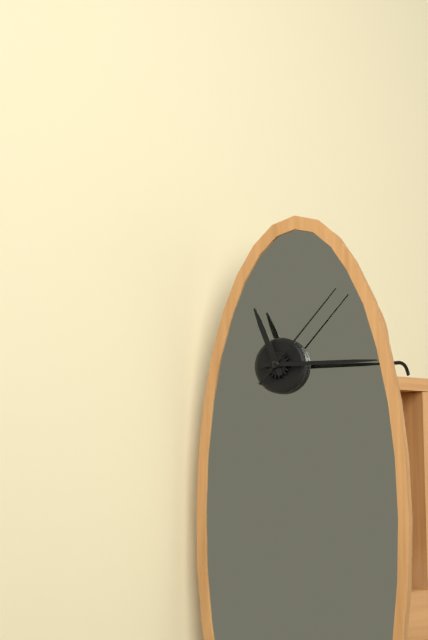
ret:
11:15:07
